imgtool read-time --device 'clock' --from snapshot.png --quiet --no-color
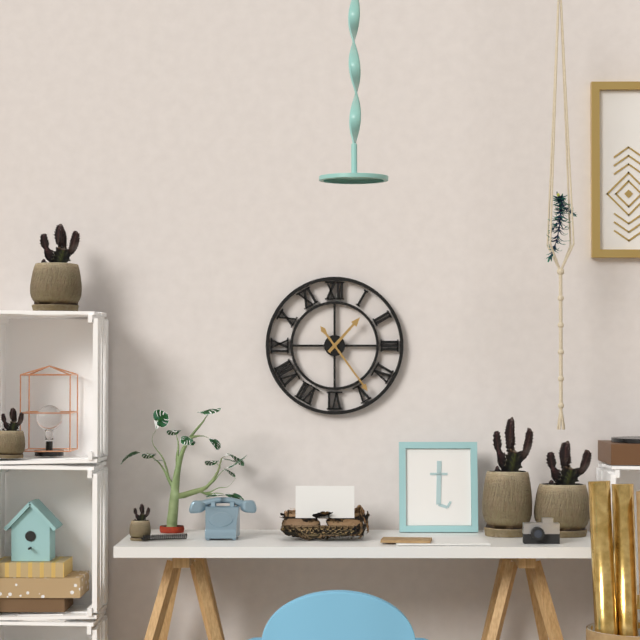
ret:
1:24
